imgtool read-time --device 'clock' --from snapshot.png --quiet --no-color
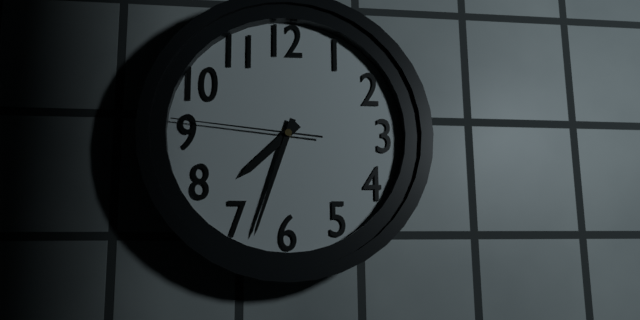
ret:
7:33:46
